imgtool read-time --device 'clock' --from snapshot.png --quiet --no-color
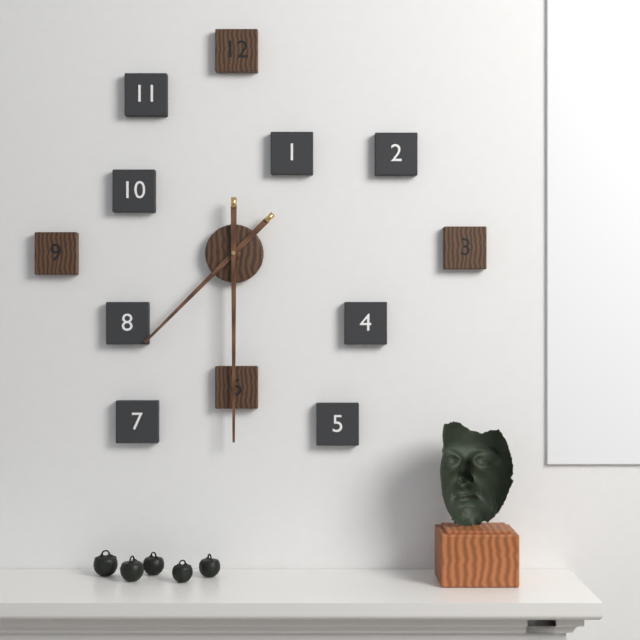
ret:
7:30
